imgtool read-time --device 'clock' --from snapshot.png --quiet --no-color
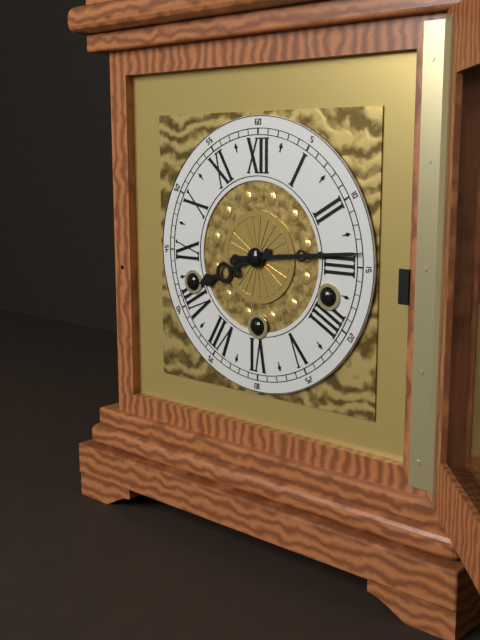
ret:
8:14
